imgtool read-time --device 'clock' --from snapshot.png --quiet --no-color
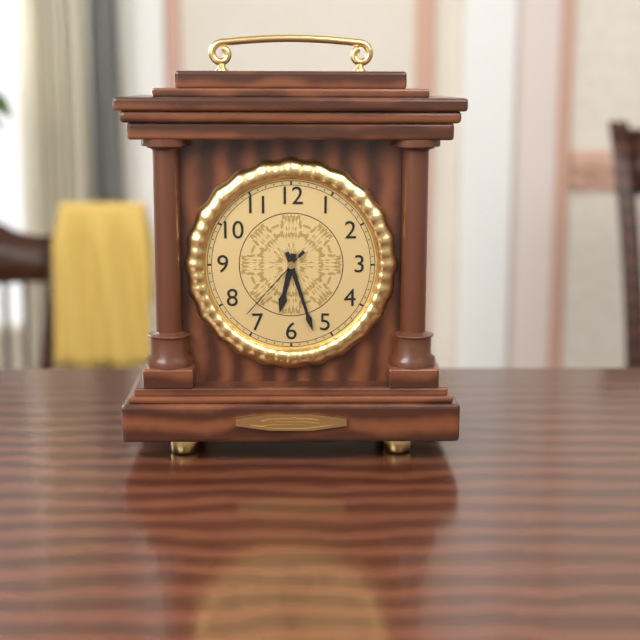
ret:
6:27:37
